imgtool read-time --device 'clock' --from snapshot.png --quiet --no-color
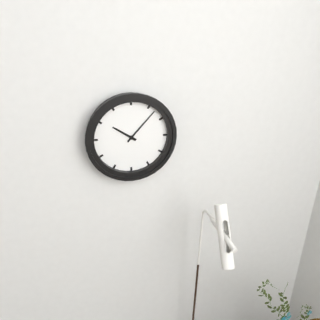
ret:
10:07
